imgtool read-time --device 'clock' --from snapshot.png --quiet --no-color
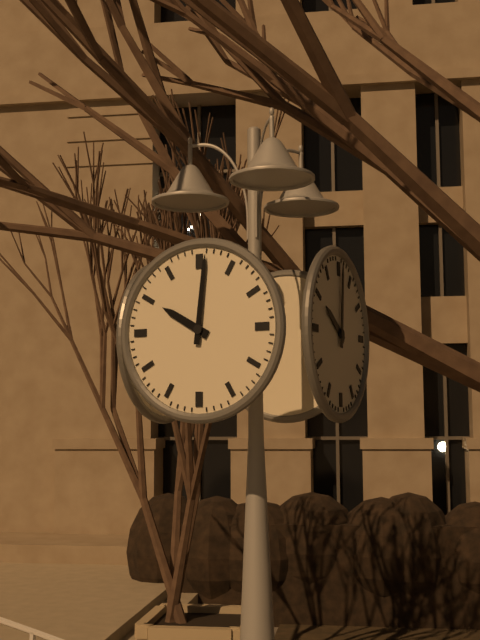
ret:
10:01
